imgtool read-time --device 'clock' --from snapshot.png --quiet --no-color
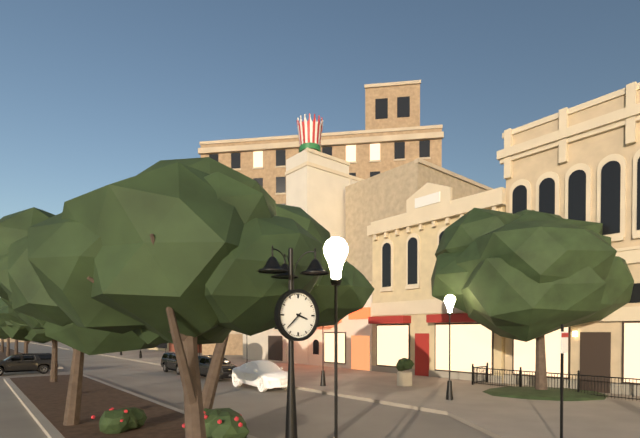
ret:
3:38
